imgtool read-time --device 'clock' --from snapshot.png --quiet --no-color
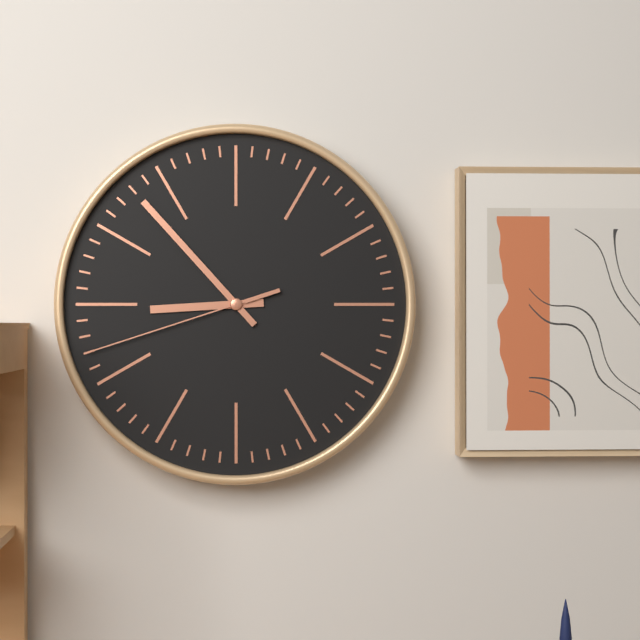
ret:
8:53:42
